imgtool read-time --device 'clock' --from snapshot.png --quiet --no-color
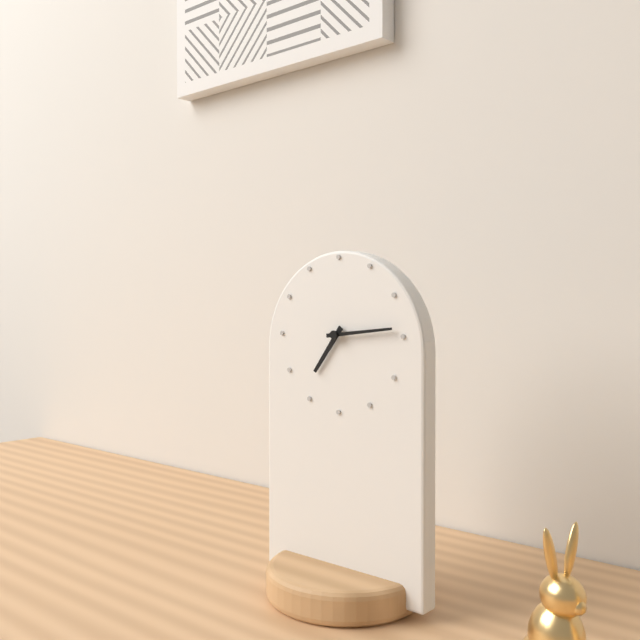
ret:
7:14
